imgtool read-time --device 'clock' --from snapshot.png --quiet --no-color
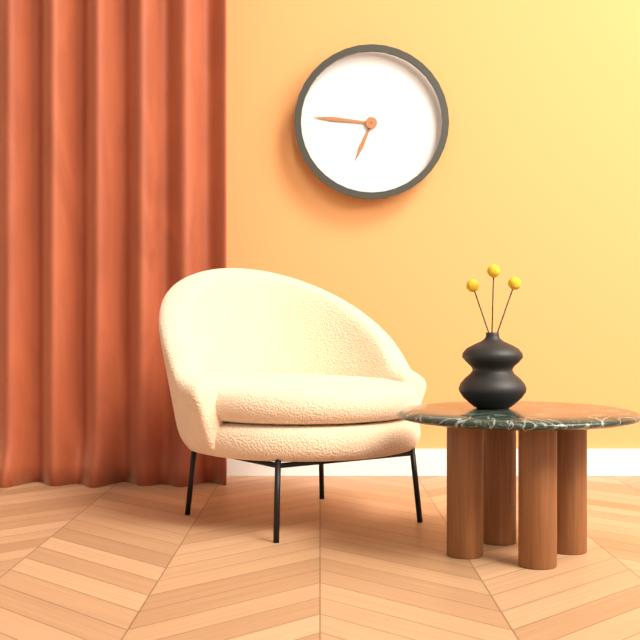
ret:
6:46
